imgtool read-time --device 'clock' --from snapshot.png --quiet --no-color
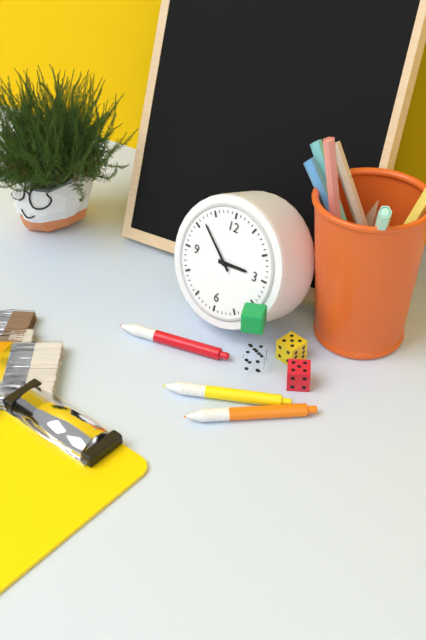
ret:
2:52
